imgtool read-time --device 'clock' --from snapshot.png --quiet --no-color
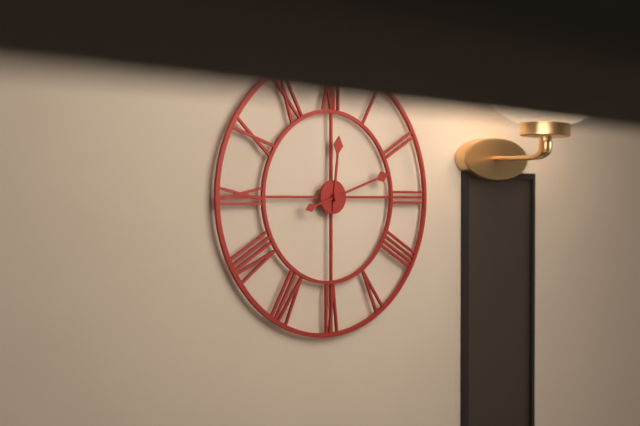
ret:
12:12
